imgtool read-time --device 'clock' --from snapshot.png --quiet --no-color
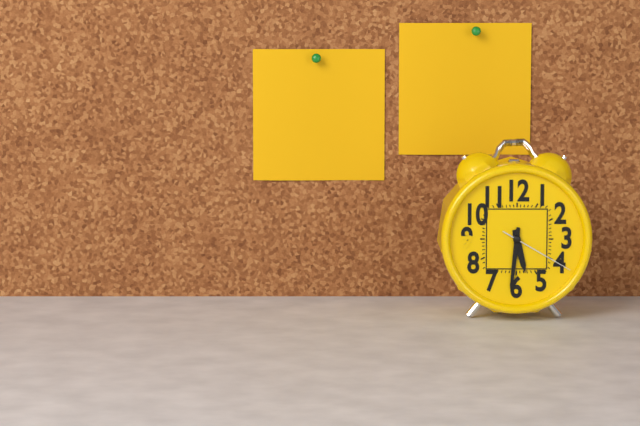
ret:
5:31:20
